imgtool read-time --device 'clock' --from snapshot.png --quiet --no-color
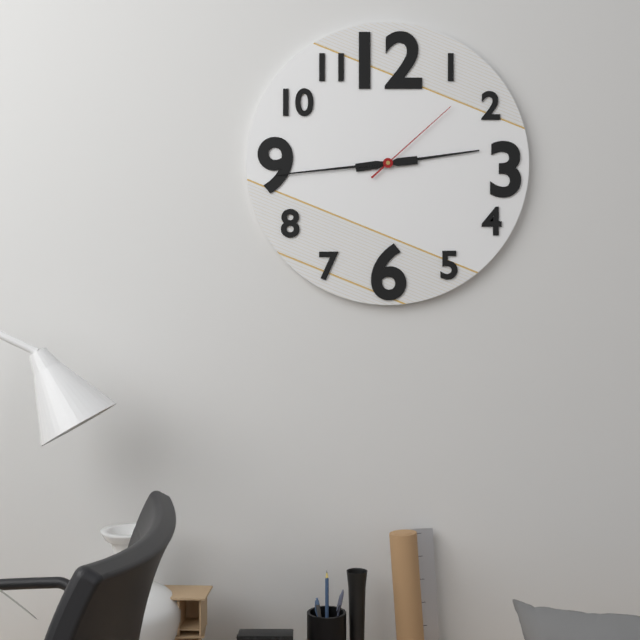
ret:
2:44:08
